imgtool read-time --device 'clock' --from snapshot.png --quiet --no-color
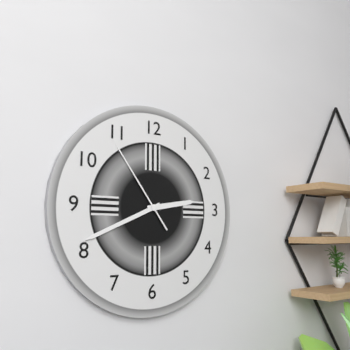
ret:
2:41:54
